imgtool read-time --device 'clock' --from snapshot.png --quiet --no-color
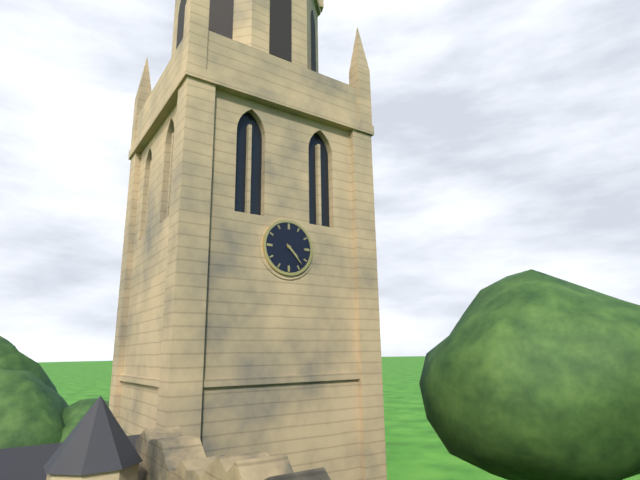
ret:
4:23
